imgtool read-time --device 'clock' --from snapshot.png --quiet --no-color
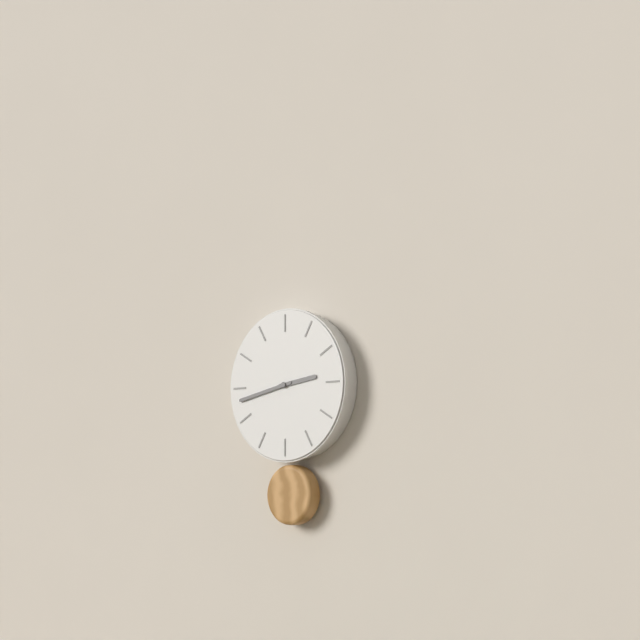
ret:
2:43
